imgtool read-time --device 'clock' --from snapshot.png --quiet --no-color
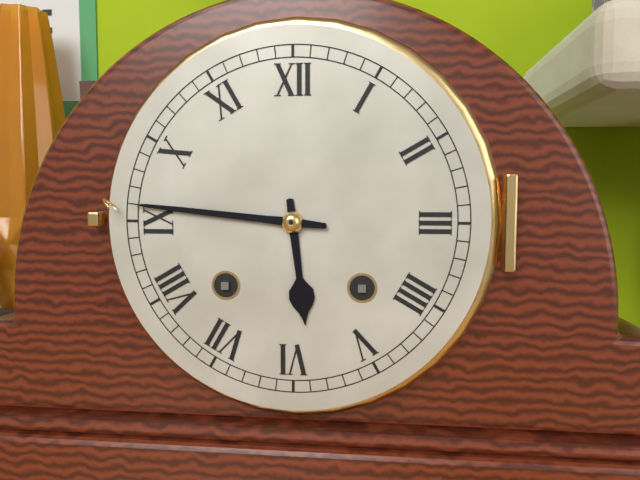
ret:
5:46
